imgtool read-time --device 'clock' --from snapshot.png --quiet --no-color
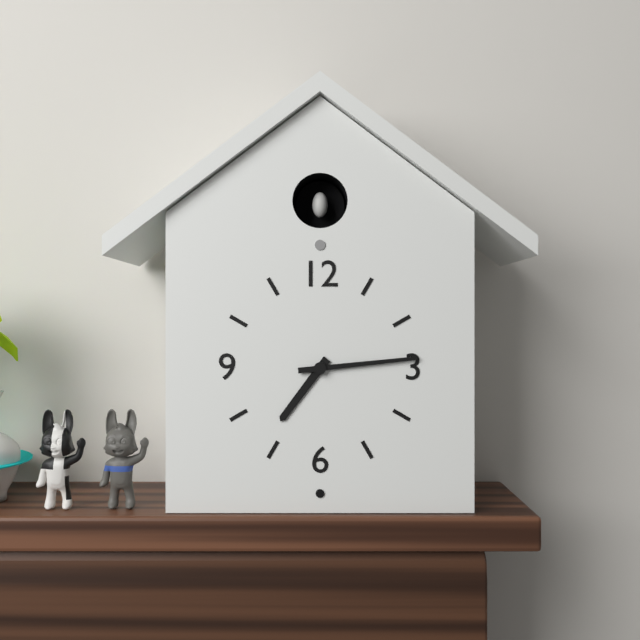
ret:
7:14
